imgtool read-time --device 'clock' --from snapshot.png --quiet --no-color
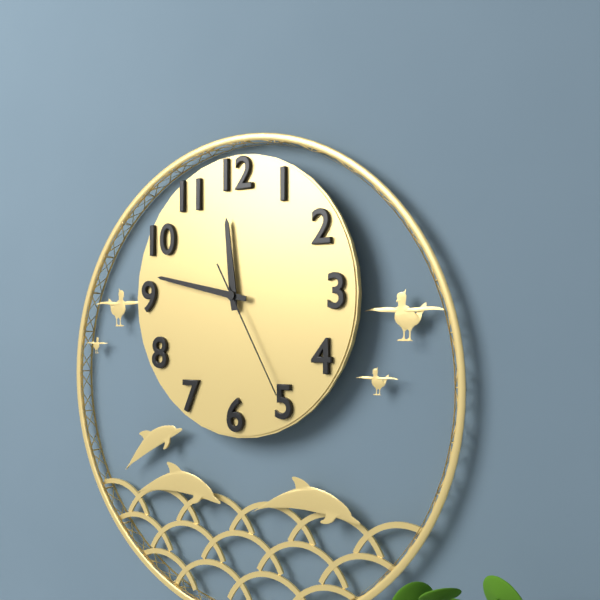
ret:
11:47:25
